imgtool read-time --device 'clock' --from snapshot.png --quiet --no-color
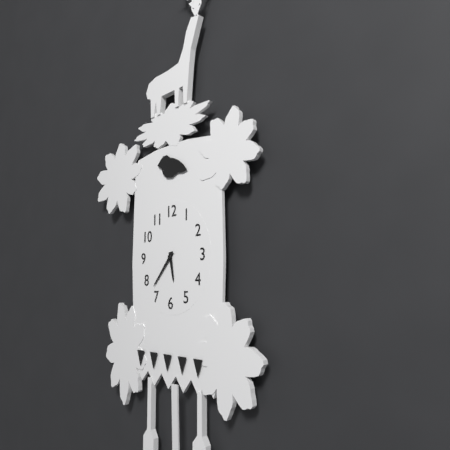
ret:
5:37
